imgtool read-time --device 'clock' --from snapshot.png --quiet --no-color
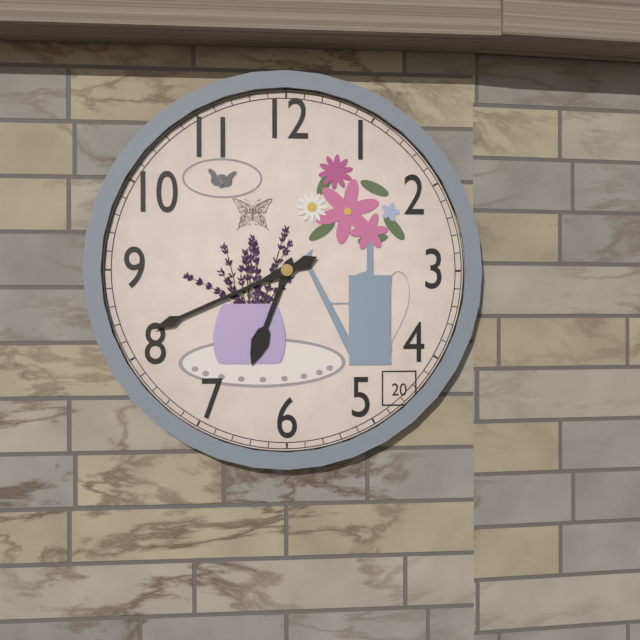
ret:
6:41
